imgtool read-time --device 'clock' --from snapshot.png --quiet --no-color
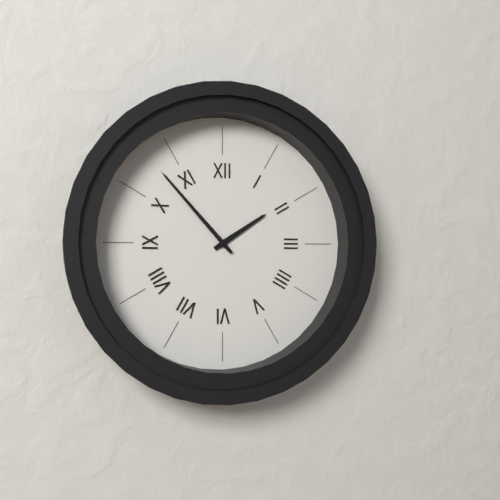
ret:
1:53
